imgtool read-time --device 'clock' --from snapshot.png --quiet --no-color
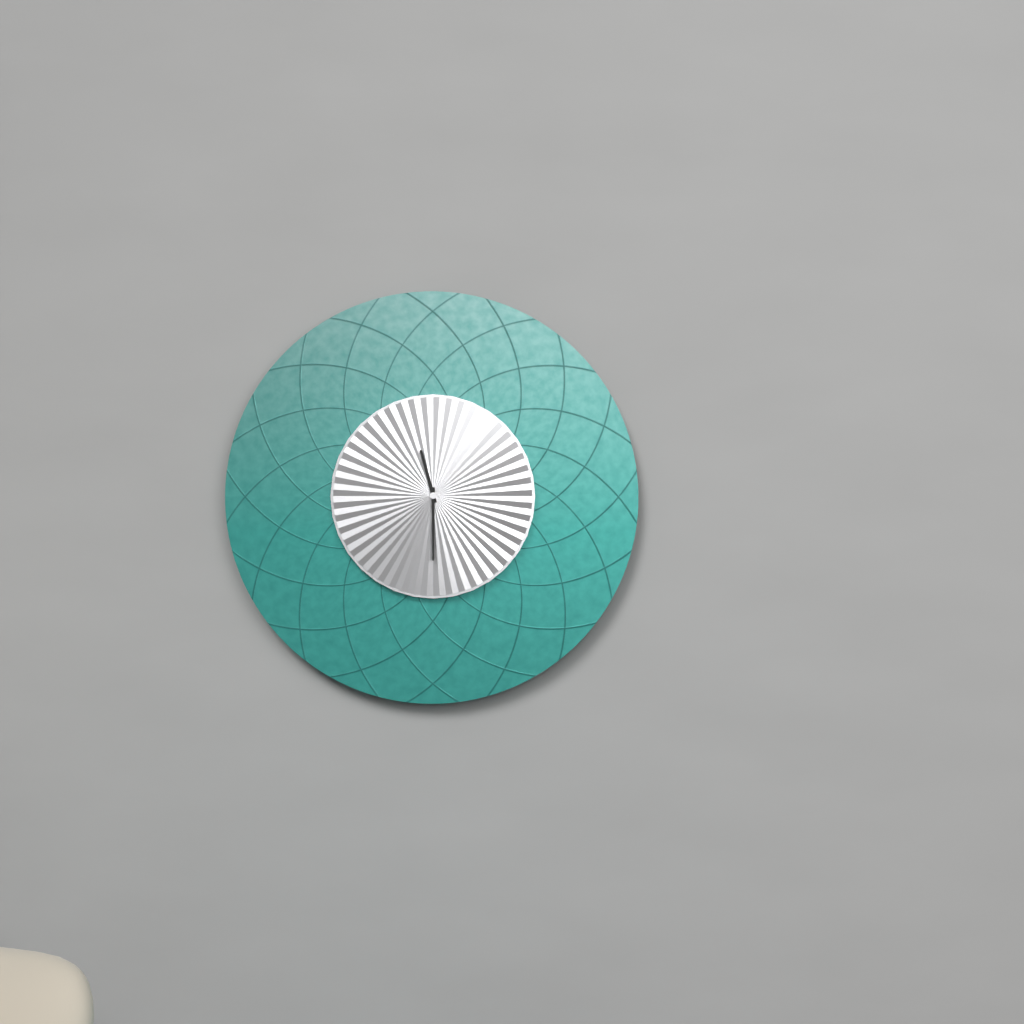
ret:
11:30
